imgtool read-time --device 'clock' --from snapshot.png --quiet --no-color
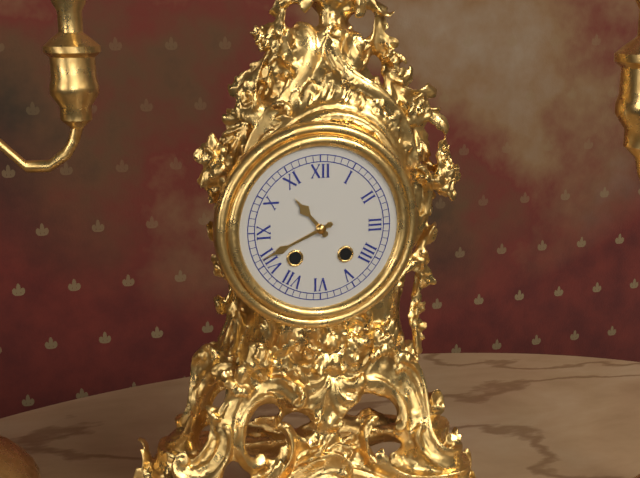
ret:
10:41
